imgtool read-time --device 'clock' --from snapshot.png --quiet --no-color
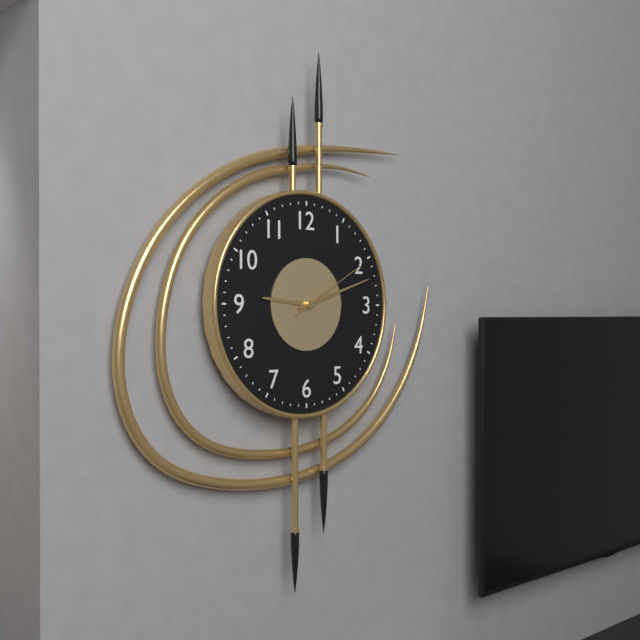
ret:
9:12:10
